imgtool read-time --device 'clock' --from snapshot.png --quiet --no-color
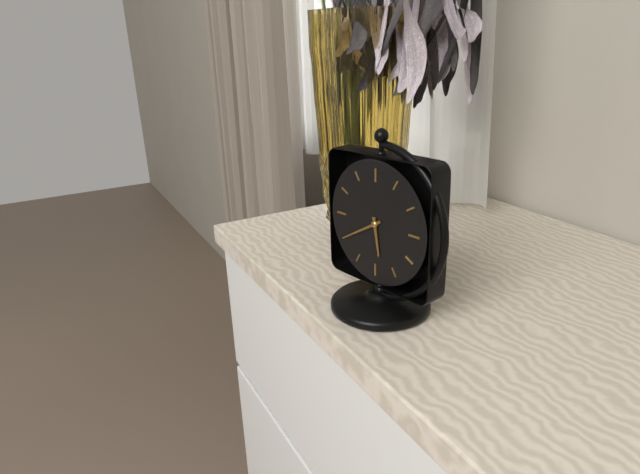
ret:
5:40
